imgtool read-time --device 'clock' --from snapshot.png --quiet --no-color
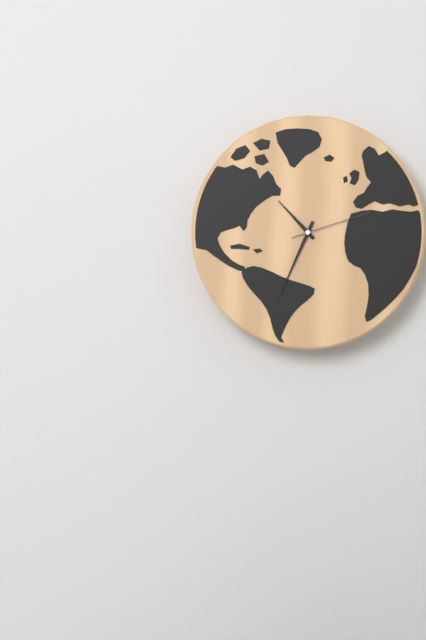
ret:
10:34:12
